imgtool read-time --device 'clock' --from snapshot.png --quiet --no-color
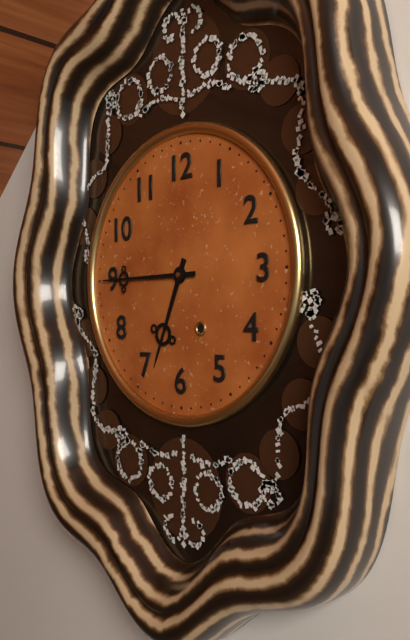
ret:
6:45
